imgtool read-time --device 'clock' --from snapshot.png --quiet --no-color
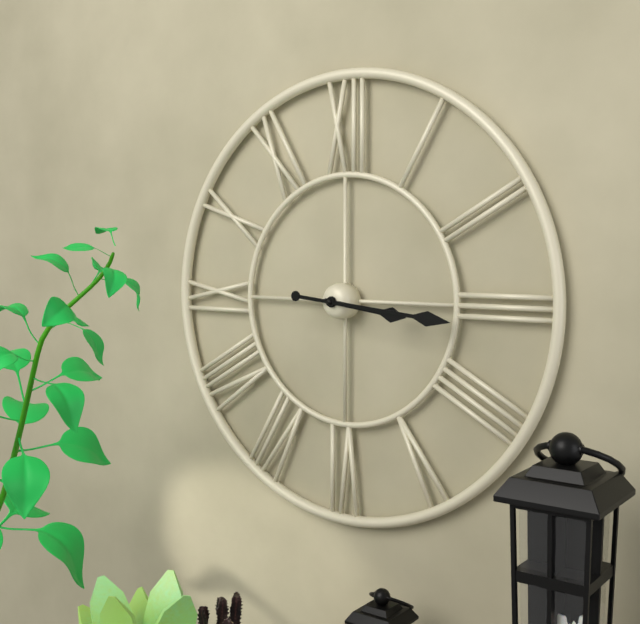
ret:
3:16
